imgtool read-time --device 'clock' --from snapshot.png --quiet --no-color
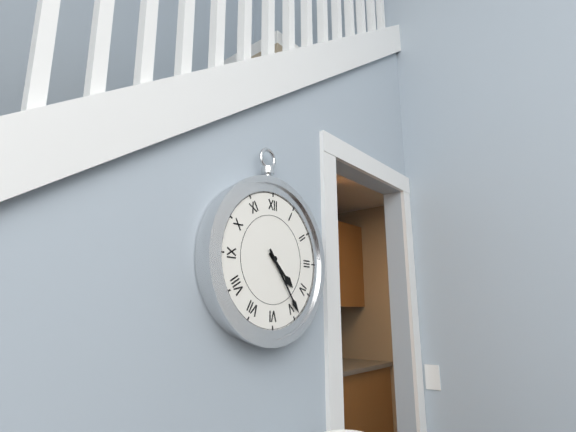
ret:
4:24
